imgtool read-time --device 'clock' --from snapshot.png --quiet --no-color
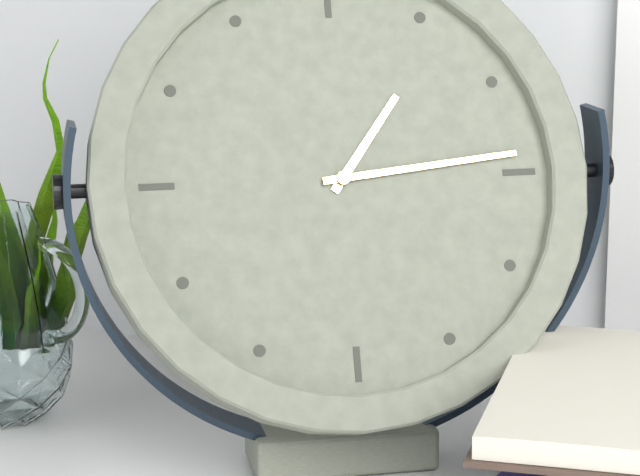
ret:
1:14
